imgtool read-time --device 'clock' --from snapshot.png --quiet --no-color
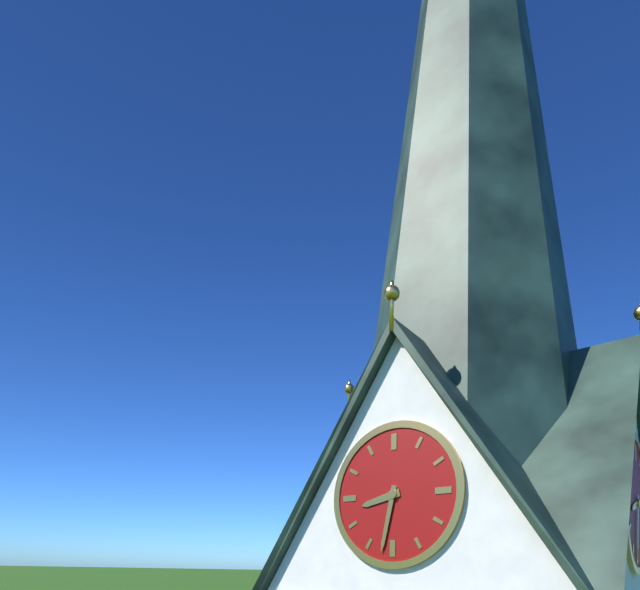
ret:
8:32
